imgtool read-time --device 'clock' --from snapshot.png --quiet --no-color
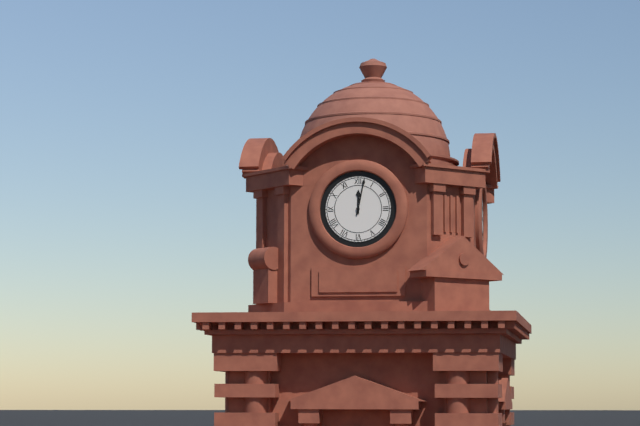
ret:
12:02
